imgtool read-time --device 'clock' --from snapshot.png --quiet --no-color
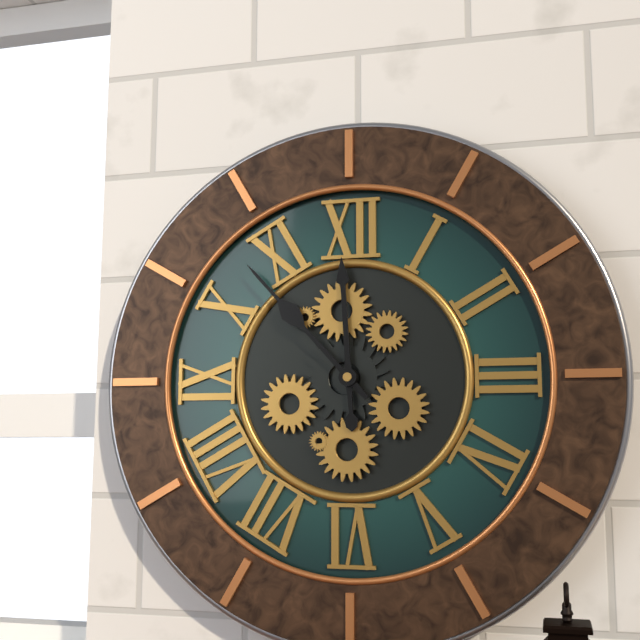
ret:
11:53
